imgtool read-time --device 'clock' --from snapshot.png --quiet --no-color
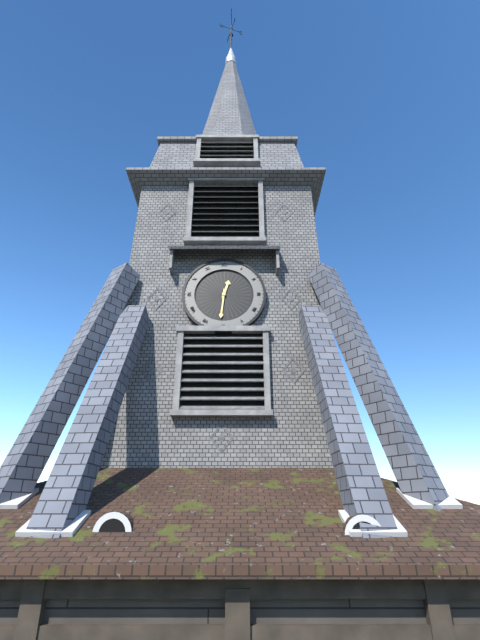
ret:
12:31
